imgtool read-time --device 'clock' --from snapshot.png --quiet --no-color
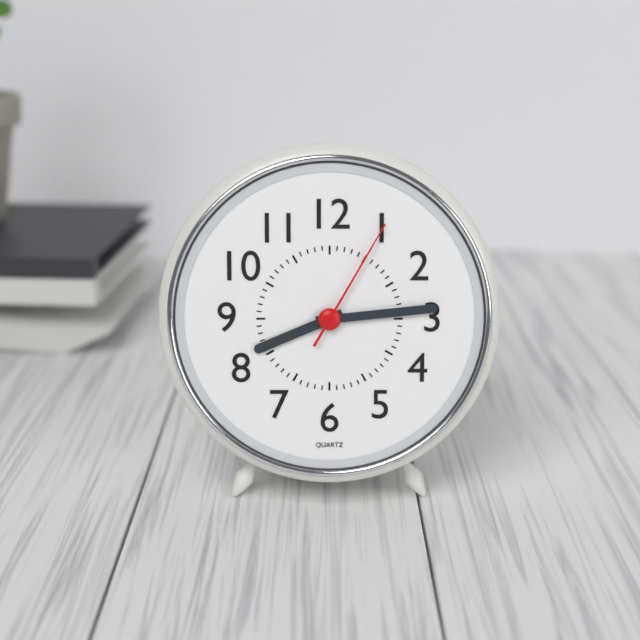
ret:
8:14:05
